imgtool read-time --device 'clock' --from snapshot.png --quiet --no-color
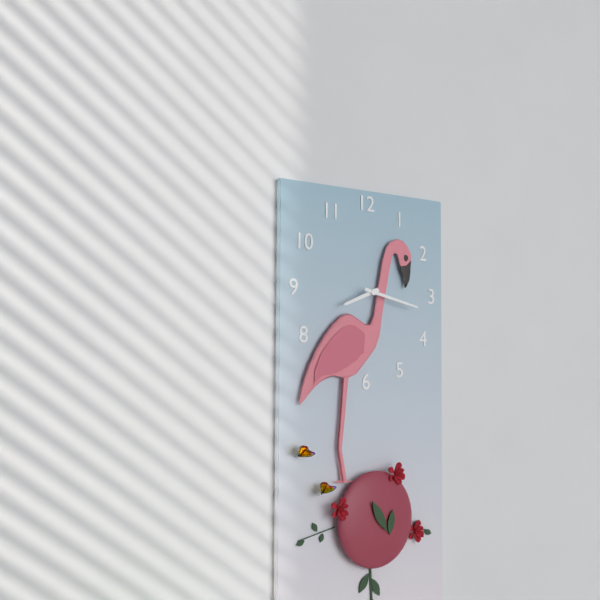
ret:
8:17
